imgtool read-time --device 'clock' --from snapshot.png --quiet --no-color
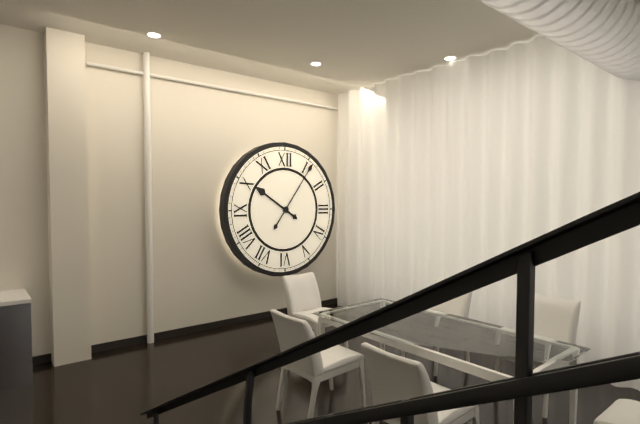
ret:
10:06
